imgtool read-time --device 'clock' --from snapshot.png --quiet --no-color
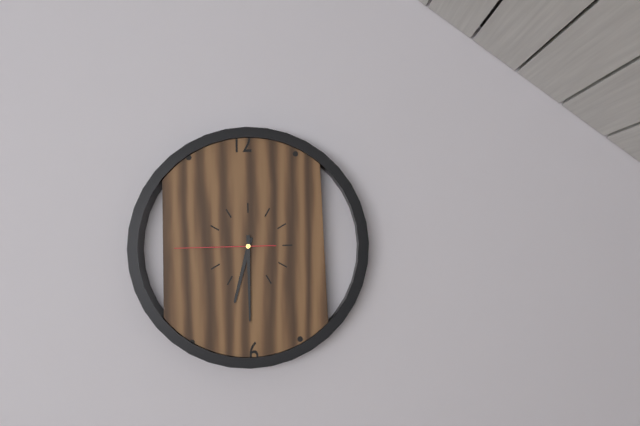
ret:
6:30:45
